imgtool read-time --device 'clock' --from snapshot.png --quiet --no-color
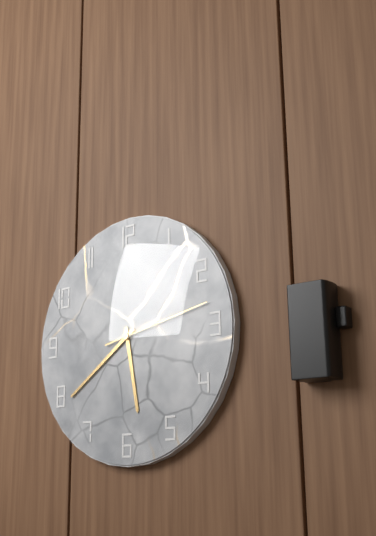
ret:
5:39:13
